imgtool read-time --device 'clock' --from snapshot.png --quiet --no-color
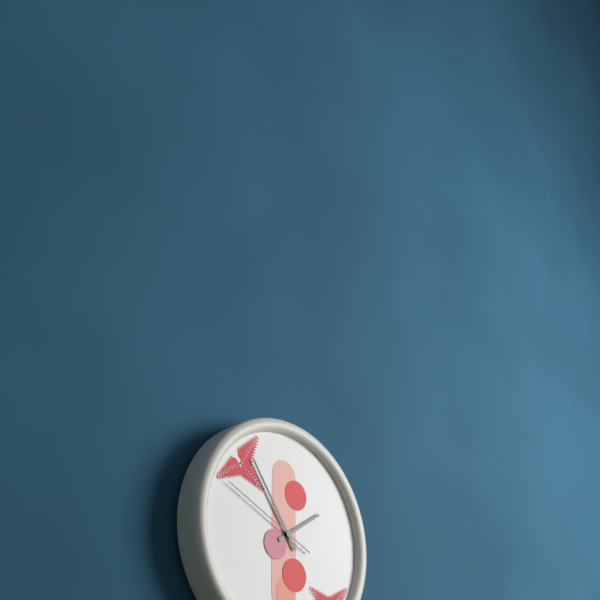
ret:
1:54:49
